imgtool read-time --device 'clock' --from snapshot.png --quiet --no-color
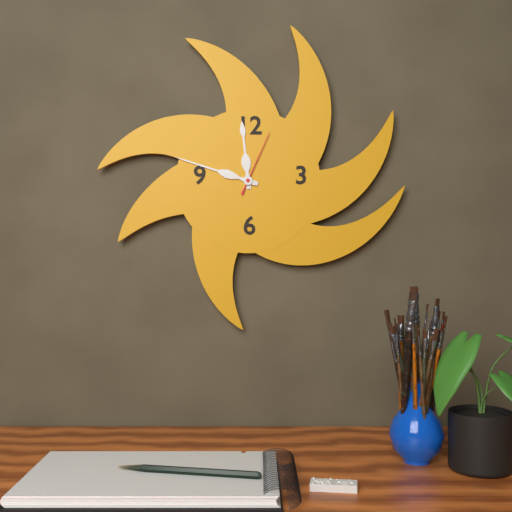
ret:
11:48:04
